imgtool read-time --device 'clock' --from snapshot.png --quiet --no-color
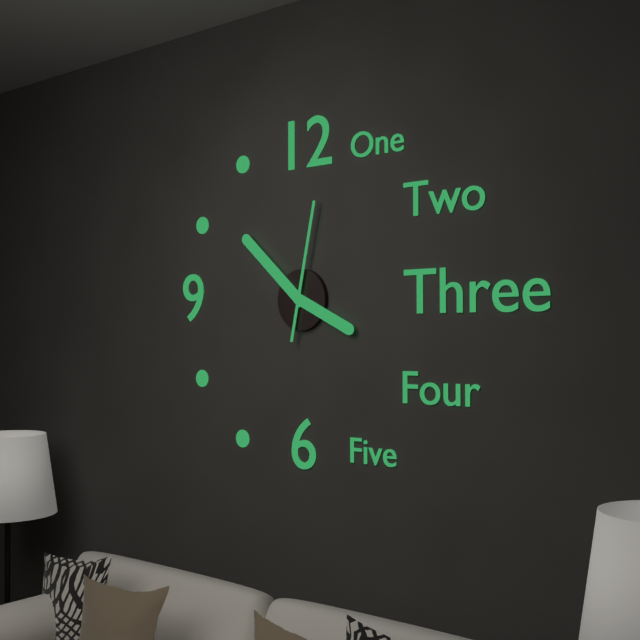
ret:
3:52:02
